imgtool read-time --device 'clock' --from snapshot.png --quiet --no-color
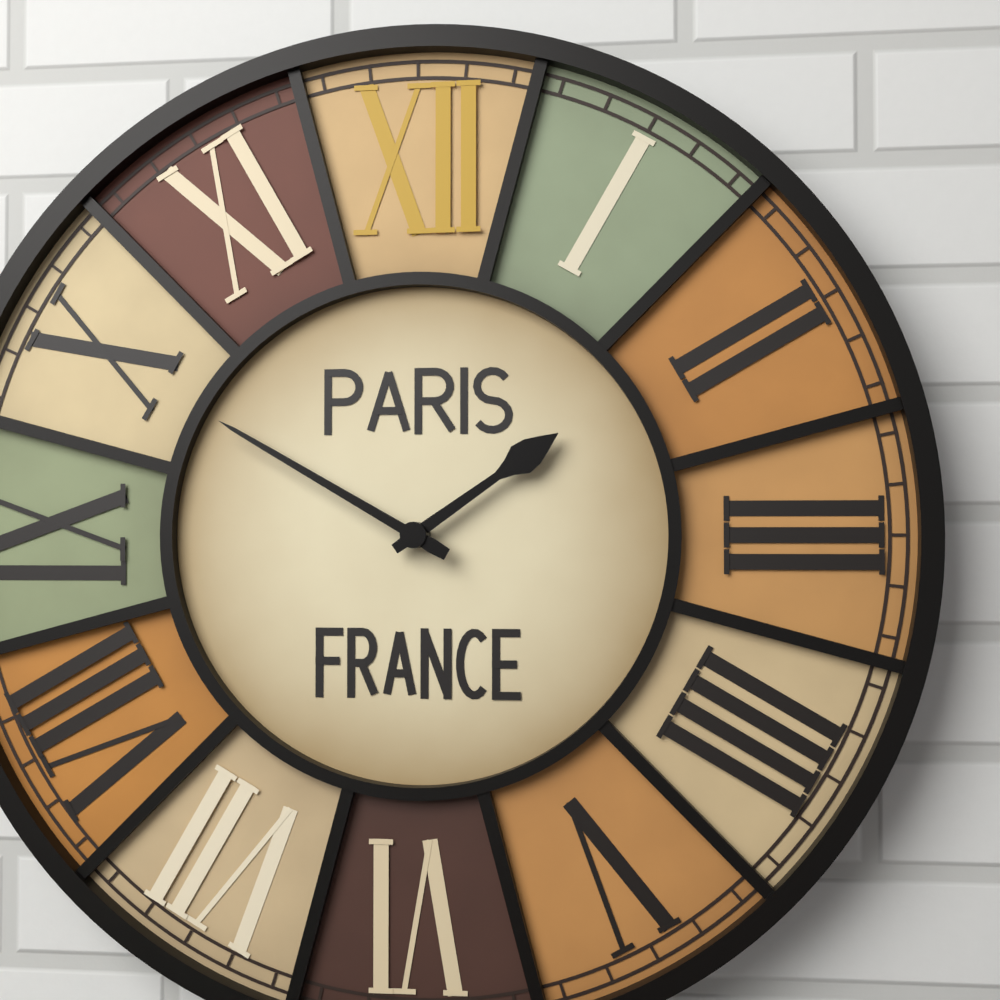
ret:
1:50
